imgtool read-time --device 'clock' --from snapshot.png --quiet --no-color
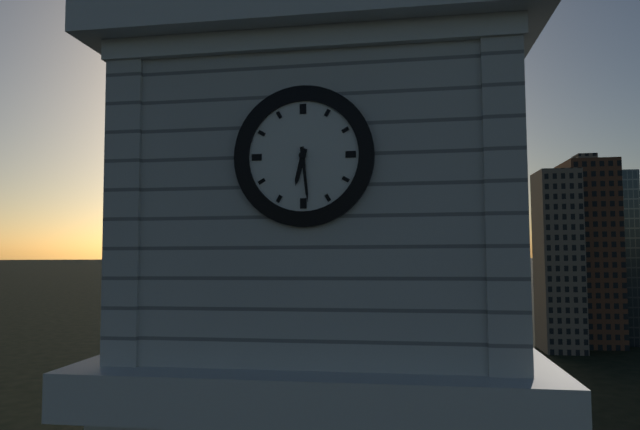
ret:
6:29
